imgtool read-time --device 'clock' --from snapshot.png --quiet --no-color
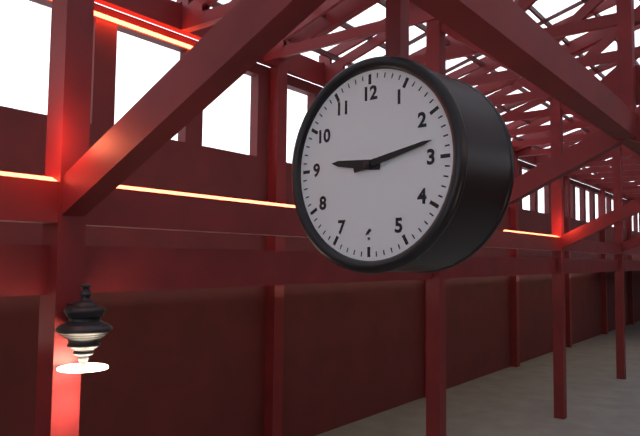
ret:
9:13
